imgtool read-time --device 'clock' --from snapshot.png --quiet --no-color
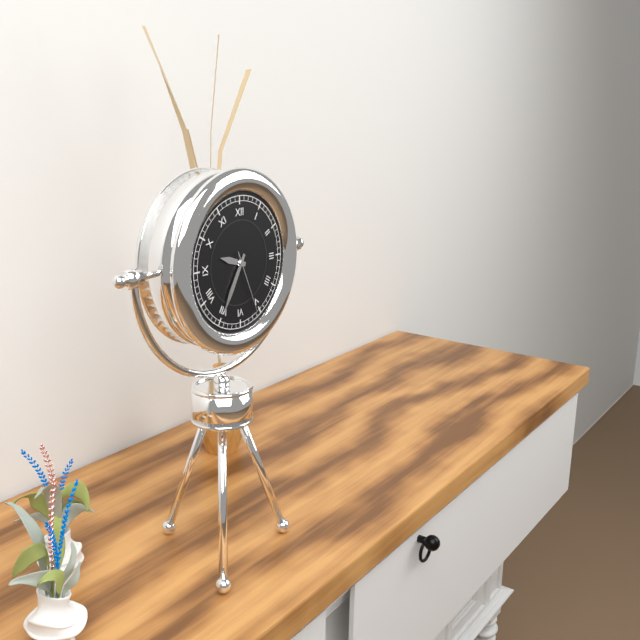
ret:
9:35:26
